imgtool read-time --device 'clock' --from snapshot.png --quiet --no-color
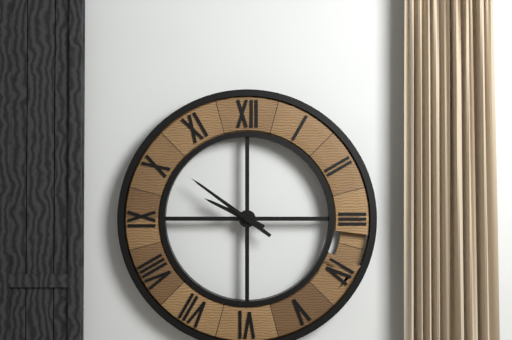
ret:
9:51
